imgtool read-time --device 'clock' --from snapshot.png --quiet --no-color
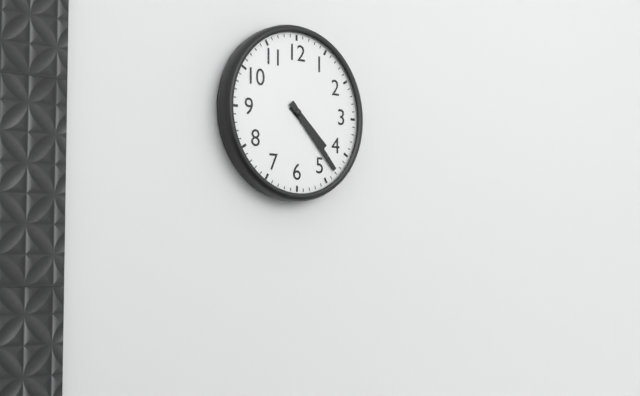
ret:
4:23
